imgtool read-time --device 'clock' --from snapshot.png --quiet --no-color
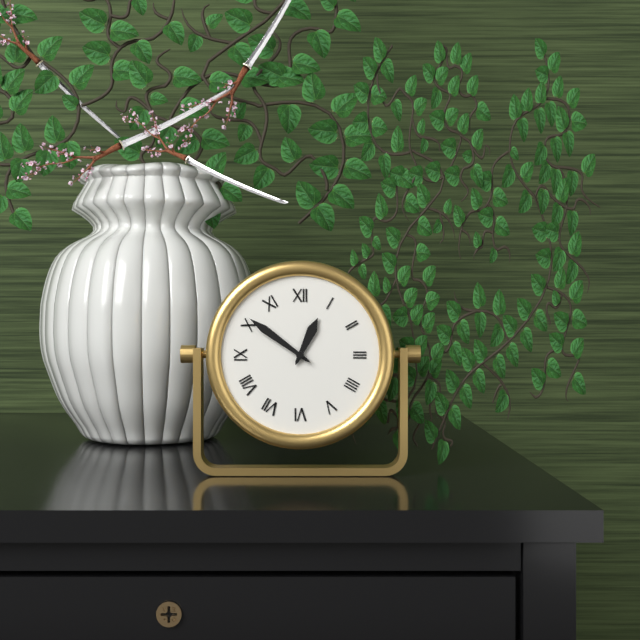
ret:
12:51
